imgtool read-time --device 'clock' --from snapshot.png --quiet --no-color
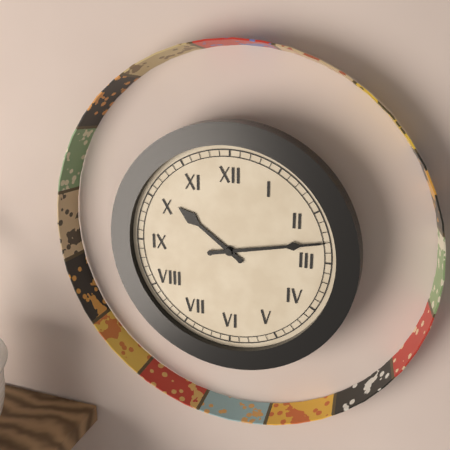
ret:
10:13
